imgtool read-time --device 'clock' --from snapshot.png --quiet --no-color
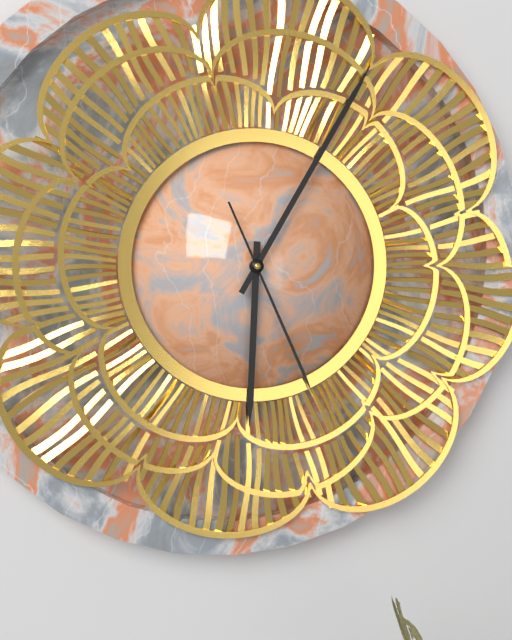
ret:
6:05:26
